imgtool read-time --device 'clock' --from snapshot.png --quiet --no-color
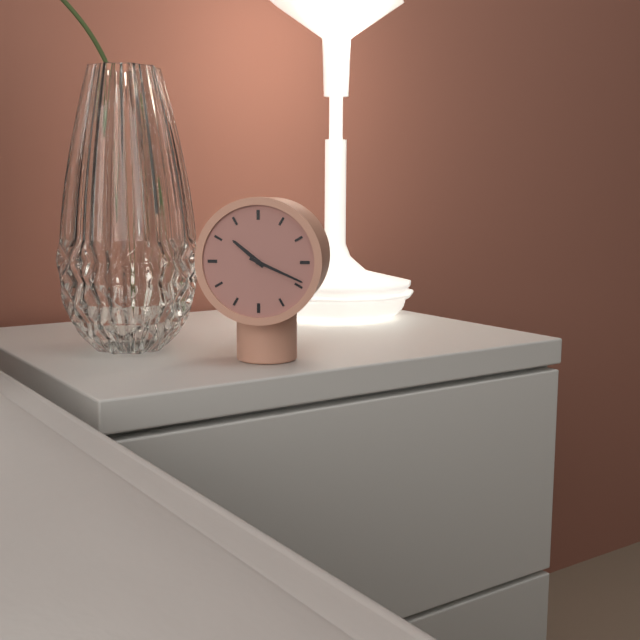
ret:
10:19
